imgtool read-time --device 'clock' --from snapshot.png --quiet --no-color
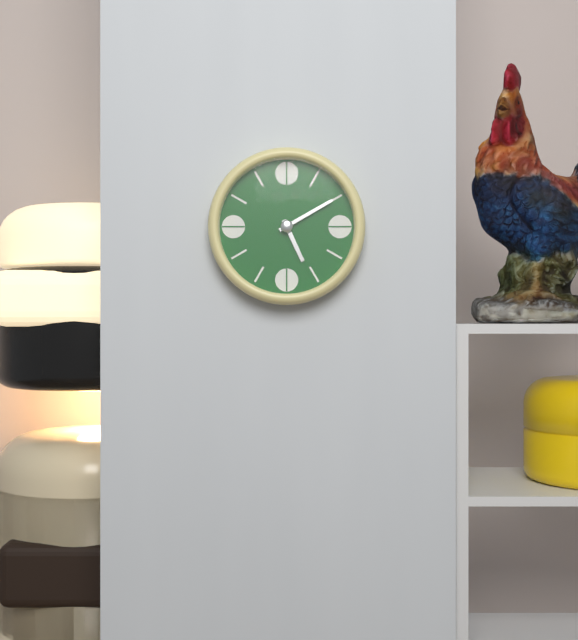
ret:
5:10
